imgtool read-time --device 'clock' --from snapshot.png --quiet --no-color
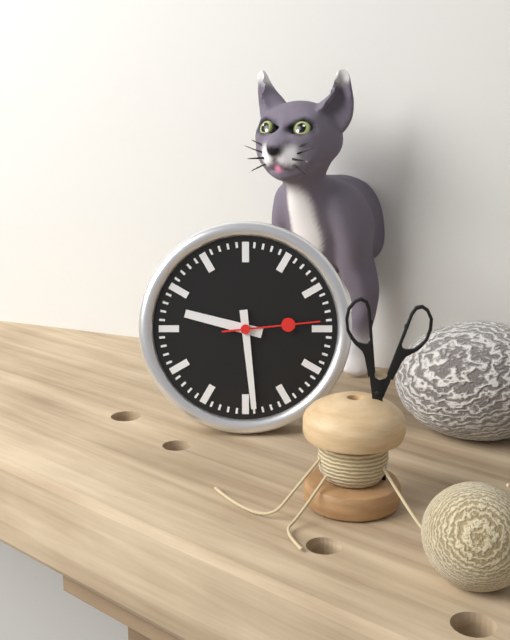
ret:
9:29:14
